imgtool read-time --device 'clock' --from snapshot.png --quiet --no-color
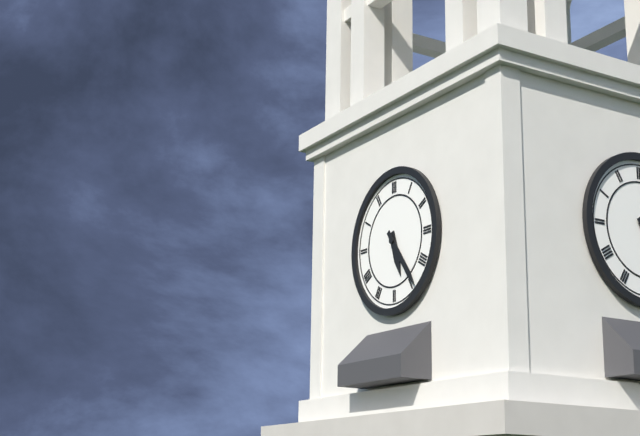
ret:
5:24
